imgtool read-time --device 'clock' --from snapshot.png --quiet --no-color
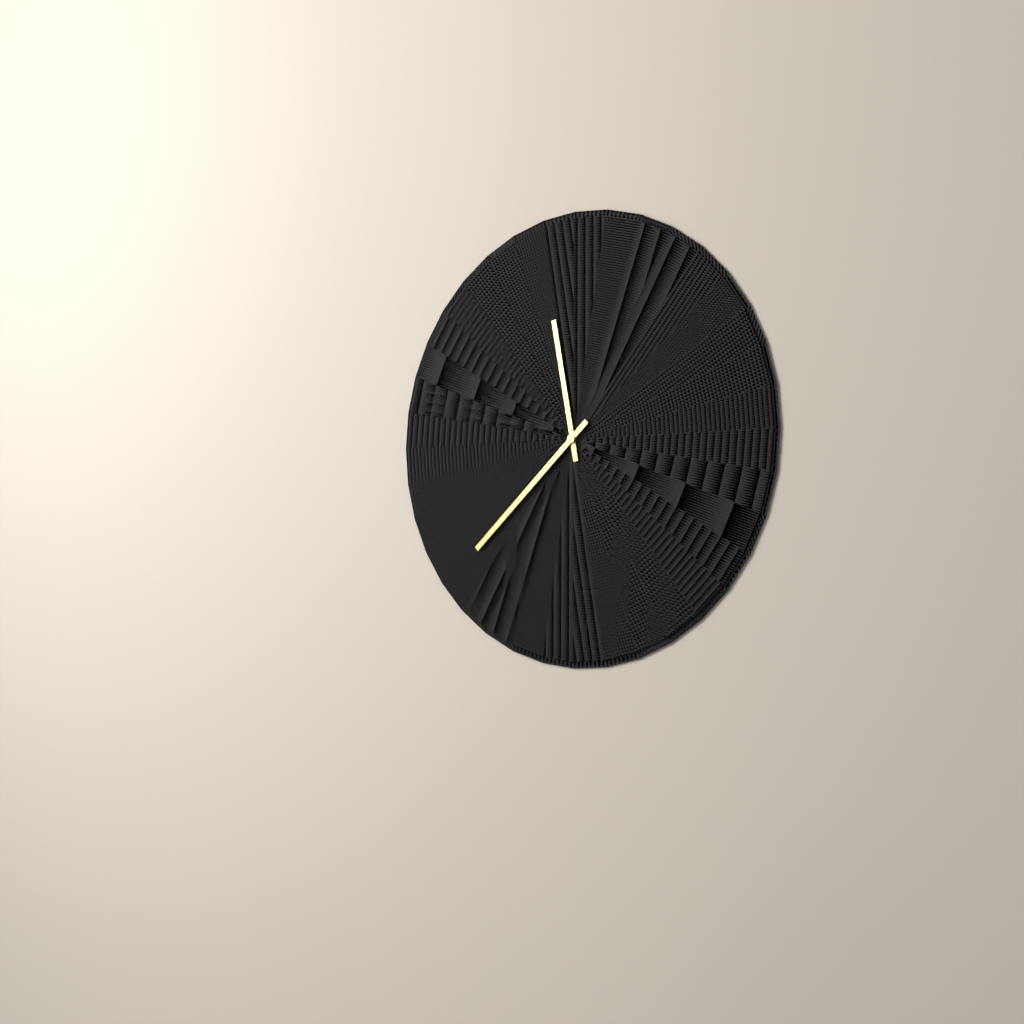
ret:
11:38
